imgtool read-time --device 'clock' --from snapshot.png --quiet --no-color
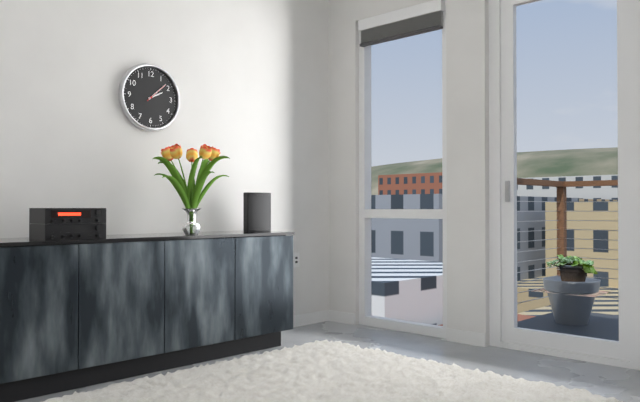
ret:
2:08
